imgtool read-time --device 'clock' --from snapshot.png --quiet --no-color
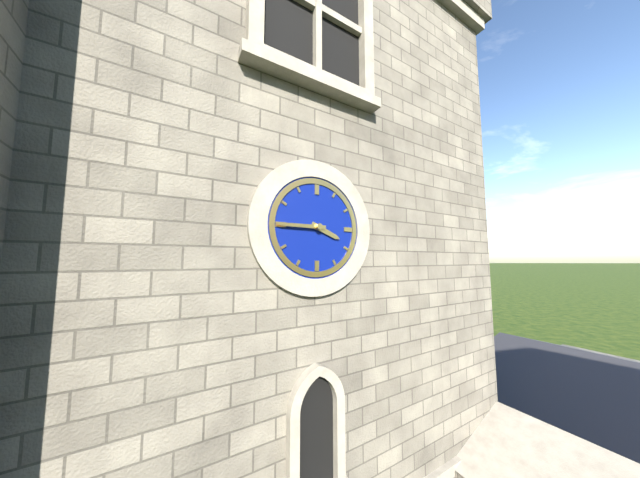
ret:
3:45
